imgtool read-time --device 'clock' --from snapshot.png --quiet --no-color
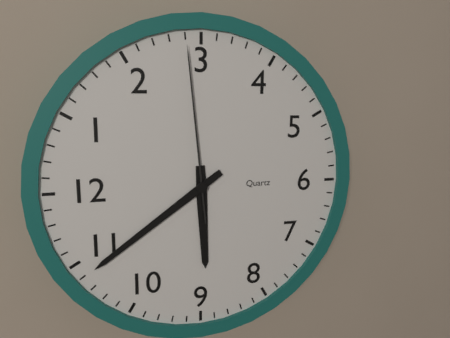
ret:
8:54:14
